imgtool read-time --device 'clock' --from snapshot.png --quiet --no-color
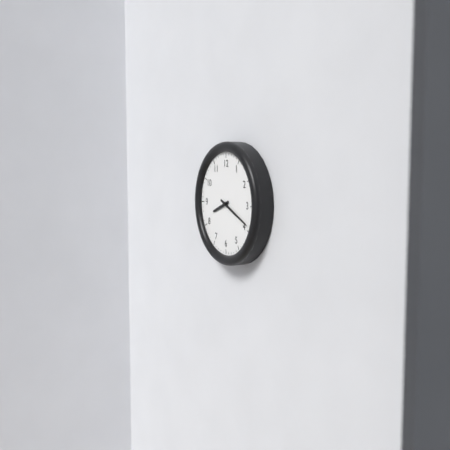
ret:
8:19
